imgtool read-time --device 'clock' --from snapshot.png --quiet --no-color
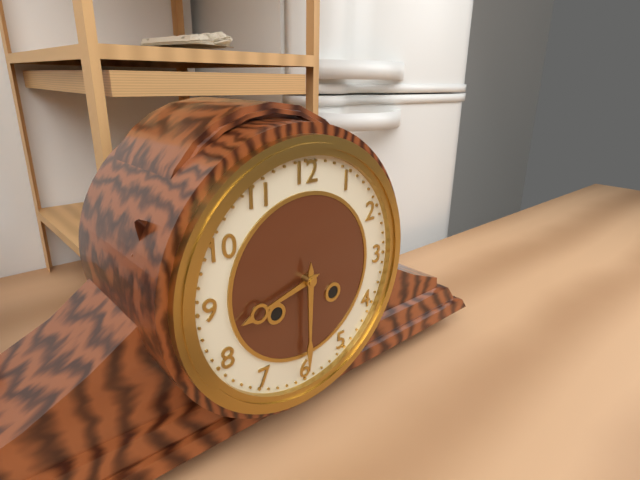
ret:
8:30
